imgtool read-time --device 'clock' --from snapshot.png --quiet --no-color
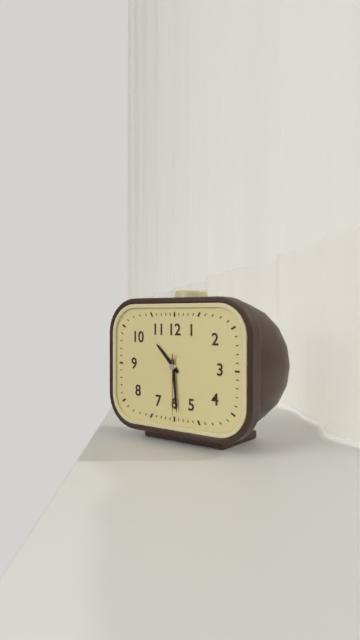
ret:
10:29:30
